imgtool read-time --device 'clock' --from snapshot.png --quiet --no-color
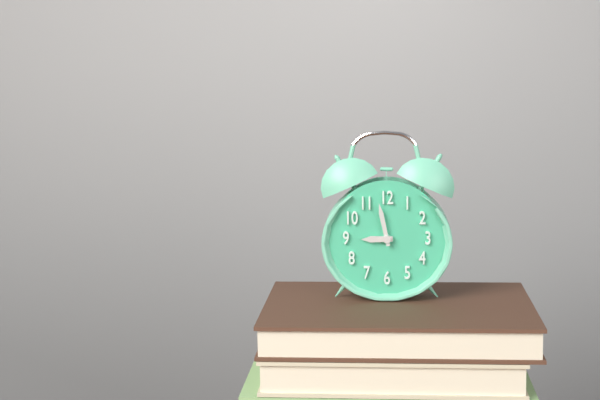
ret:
8:58
